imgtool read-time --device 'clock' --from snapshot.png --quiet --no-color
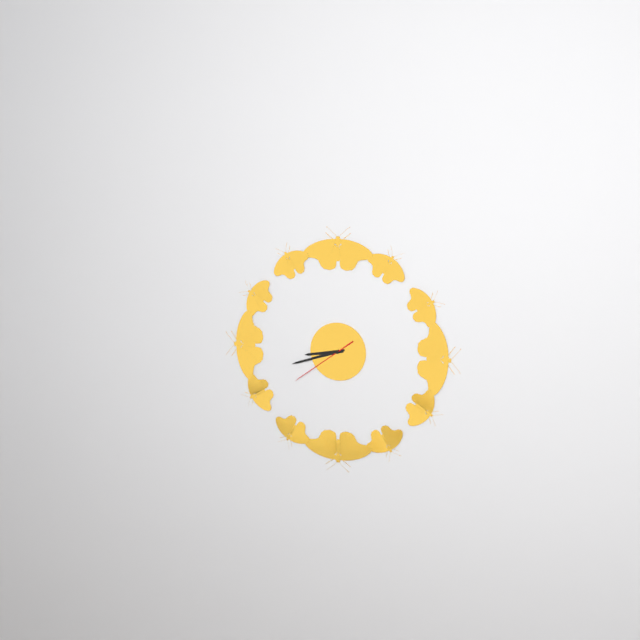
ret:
8:42:39
